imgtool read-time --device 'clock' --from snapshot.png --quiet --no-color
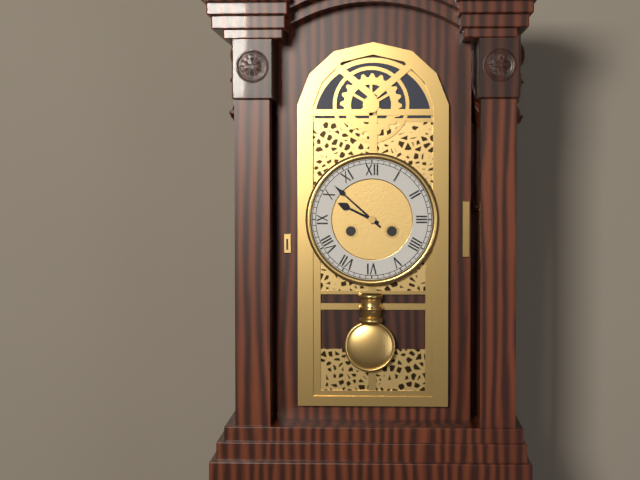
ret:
9:52
